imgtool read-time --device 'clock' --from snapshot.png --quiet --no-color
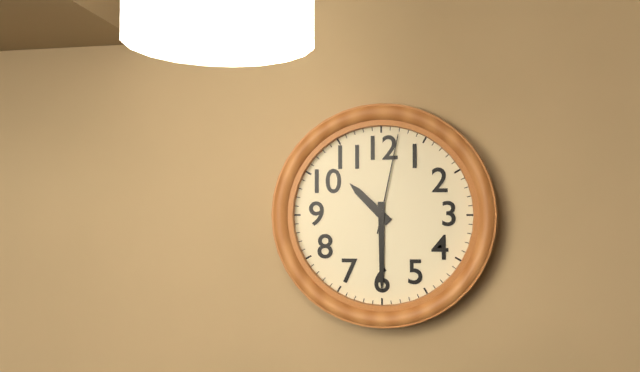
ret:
10:30:02
